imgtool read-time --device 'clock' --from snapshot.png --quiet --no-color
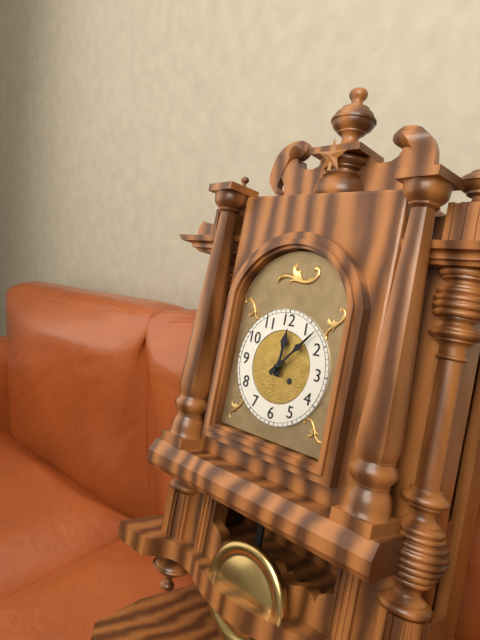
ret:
12:07
